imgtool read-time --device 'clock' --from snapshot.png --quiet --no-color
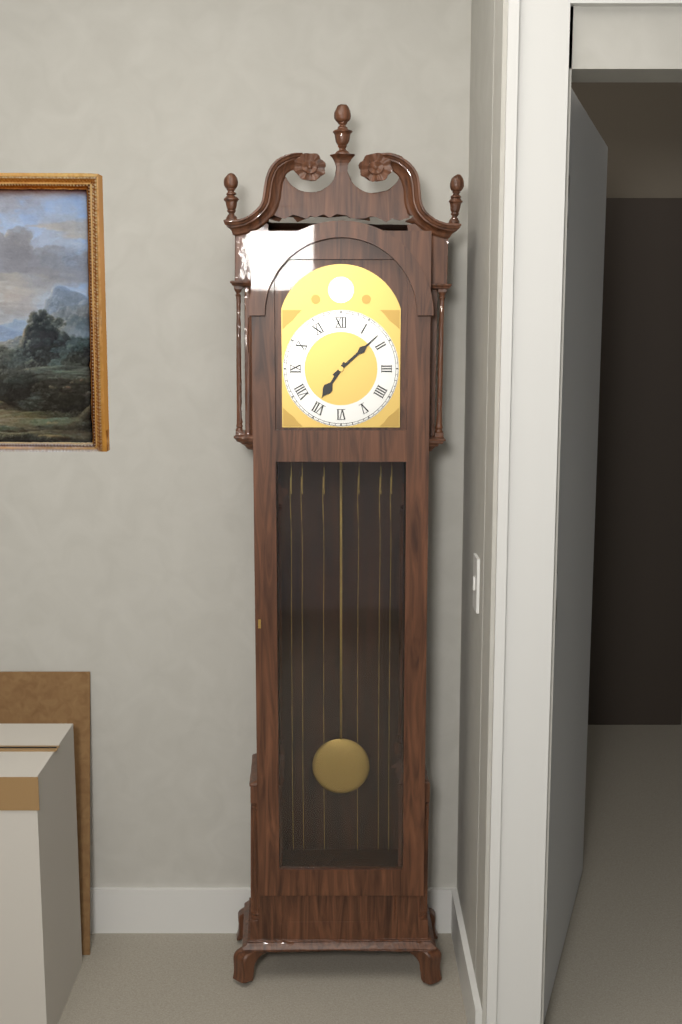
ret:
7:08
